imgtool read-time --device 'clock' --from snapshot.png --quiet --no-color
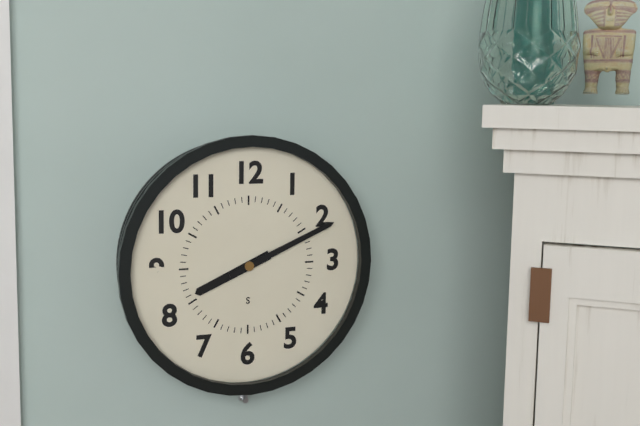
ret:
8:11
